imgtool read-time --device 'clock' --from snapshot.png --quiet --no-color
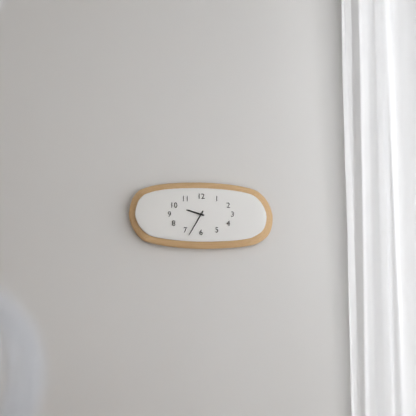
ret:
9:35
